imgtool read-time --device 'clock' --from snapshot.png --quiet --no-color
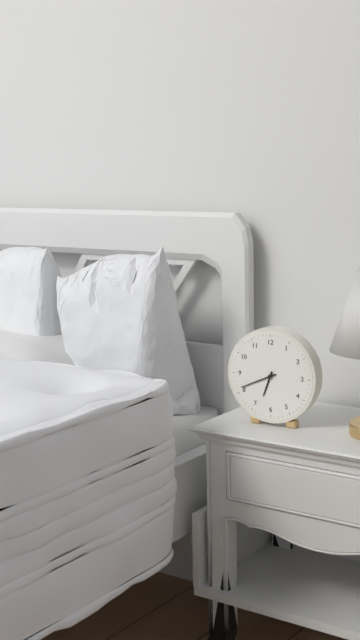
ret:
6:41
